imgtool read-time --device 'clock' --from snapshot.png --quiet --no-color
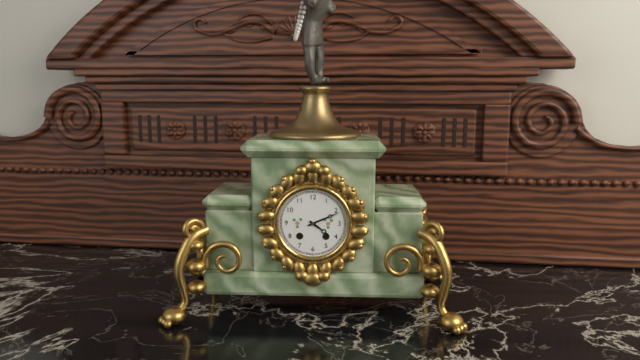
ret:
4:11
